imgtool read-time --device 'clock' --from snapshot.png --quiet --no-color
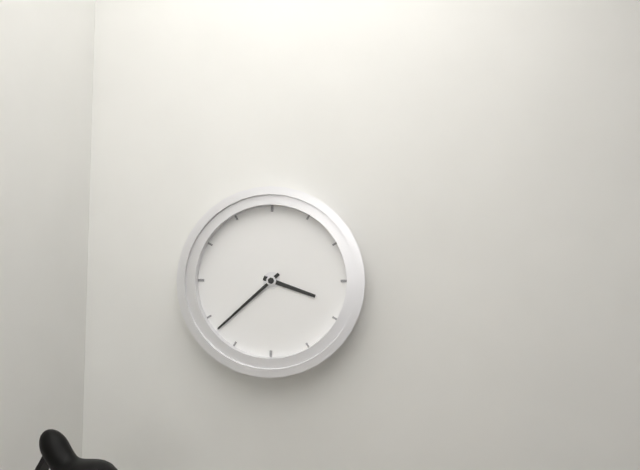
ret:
3:38
